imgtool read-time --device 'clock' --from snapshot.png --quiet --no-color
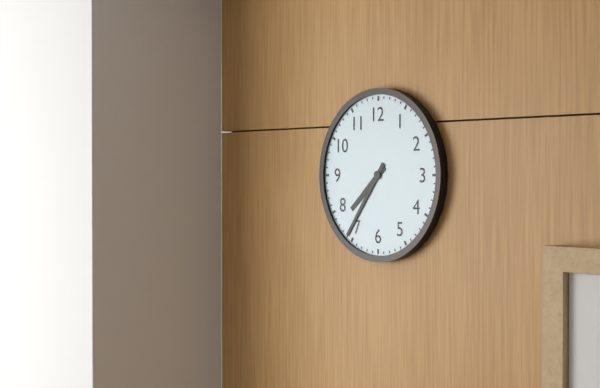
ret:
7:36
